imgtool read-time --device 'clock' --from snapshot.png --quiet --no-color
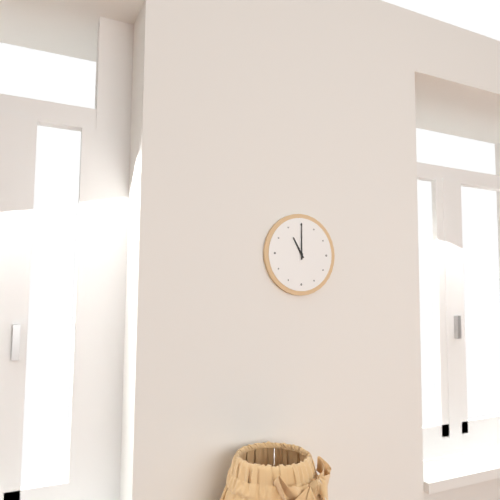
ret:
11:00
